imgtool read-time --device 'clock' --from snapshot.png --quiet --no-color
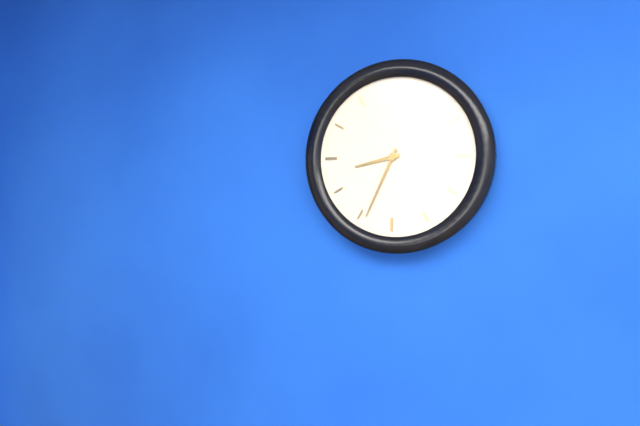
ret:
8:34
